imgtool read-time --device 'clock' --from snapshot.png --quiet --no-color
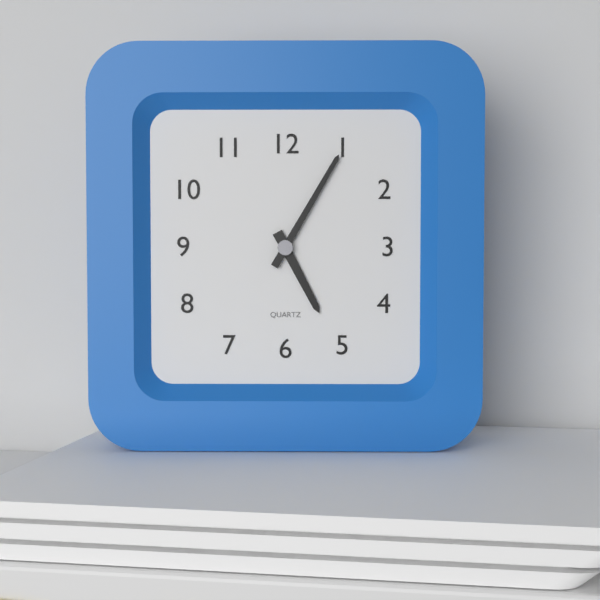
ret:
5:05
